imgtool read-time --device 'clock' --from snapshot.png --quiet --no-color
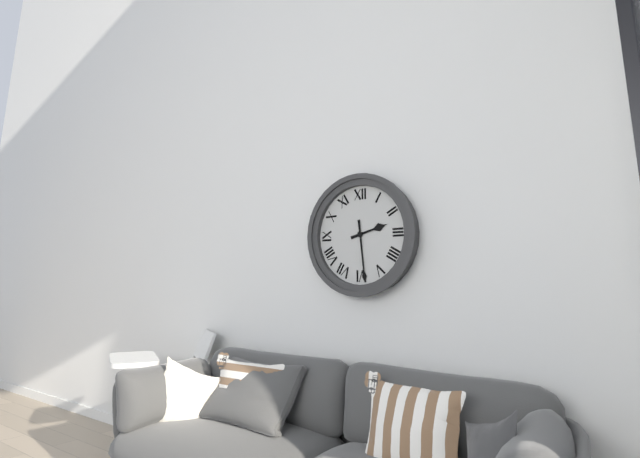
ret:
2:29
